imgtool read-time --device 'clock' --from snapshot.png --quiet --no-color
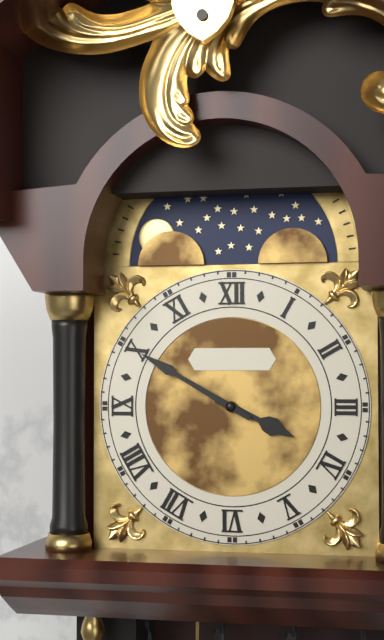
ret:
3:50
